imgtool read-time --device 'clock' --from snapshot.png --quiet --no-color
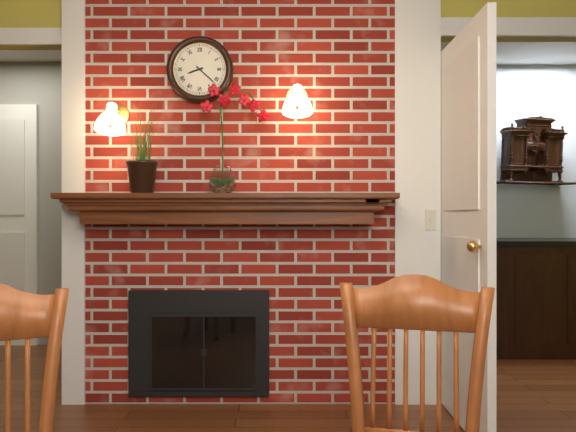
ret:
8:22
